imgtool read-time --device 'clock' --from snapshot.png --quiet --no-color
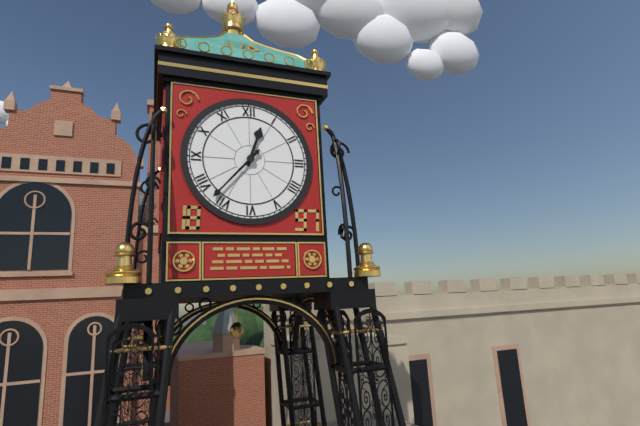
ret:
12:37
